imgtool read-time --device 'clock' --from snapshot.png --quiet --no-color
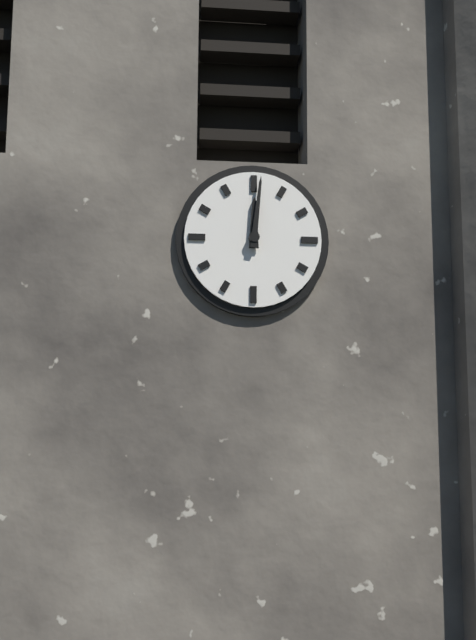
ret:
12:01
